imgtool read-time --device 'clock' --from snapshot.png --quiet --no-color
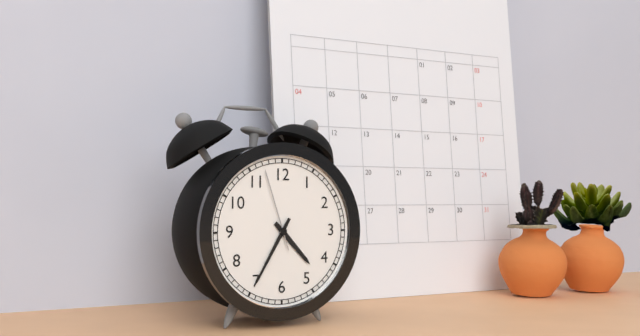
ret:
4:35:57
